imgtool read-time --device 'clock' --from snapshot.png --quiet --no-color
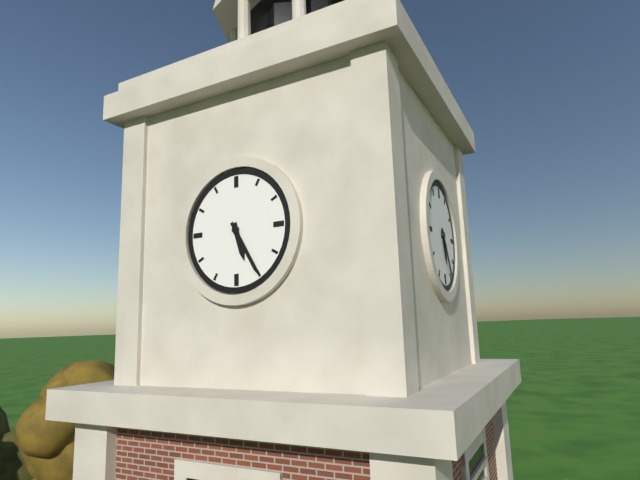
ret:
5:25
